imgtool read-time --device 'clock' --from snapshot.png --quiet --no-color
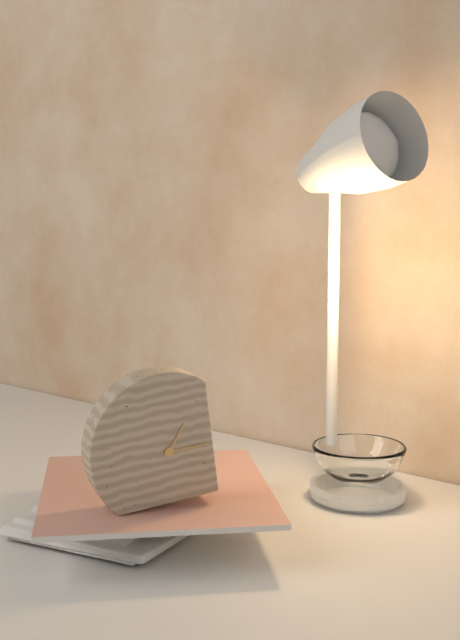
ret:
1:15
